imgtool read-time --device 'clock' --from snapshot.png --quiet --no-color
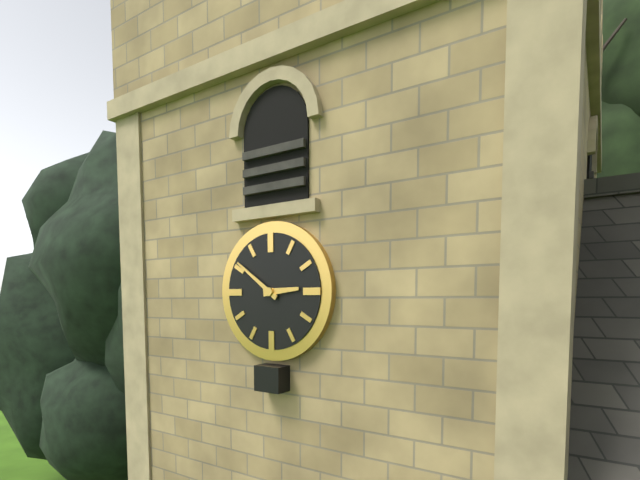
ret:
2:51
